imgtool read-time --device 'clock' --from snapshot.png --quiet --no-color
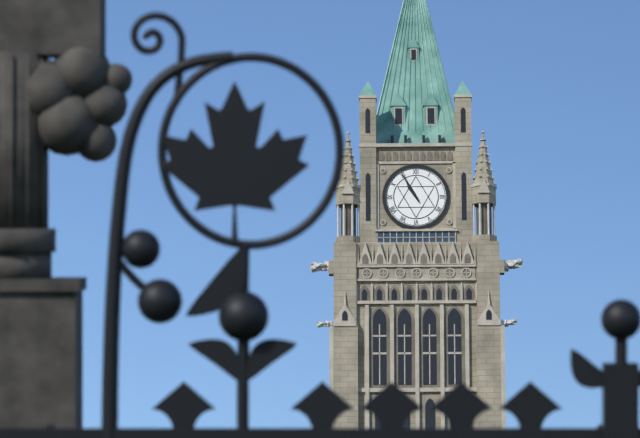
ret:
10:55
